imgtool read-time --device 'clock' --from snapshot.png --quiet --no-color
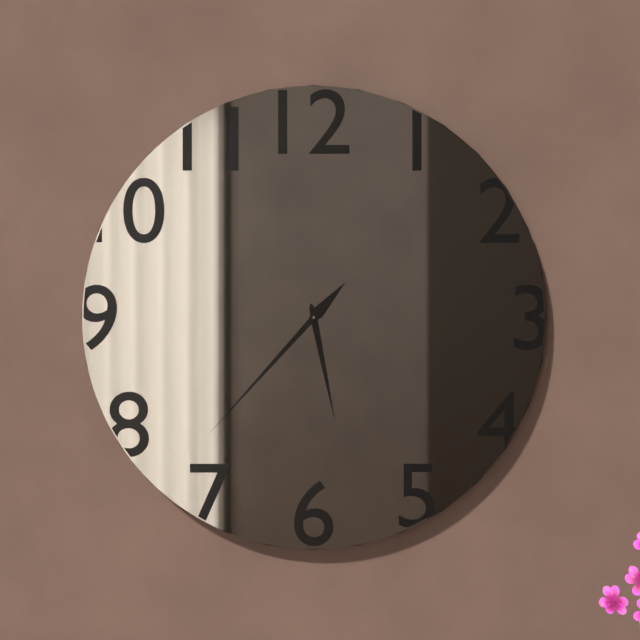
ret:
5:37
